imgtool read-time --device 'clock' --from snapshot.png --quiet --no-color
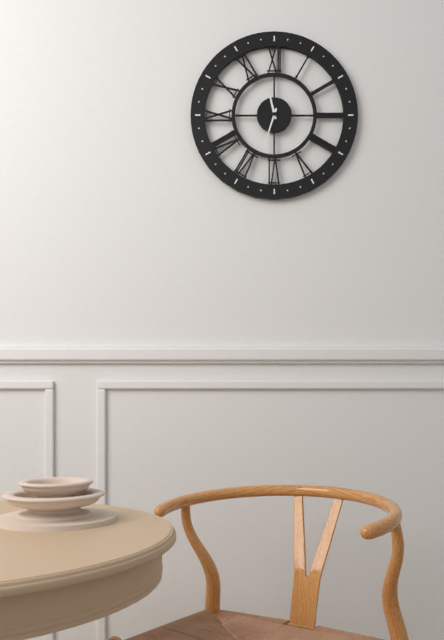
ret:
11:33
